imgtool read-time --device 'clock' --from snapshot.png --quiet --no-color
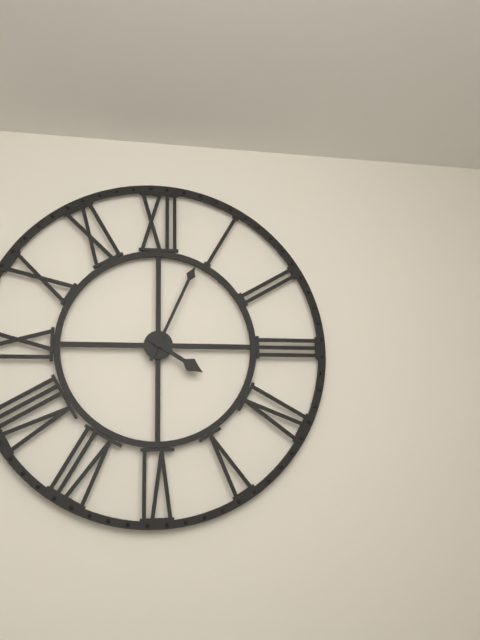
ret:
4:04
